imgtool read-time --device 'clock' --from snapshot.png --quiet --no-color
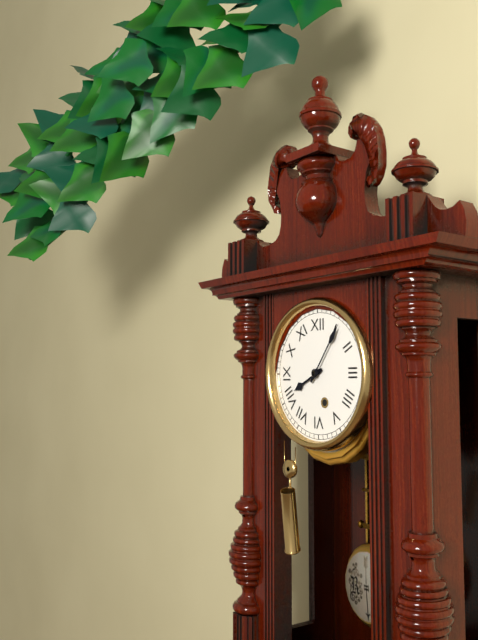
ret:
8:06
